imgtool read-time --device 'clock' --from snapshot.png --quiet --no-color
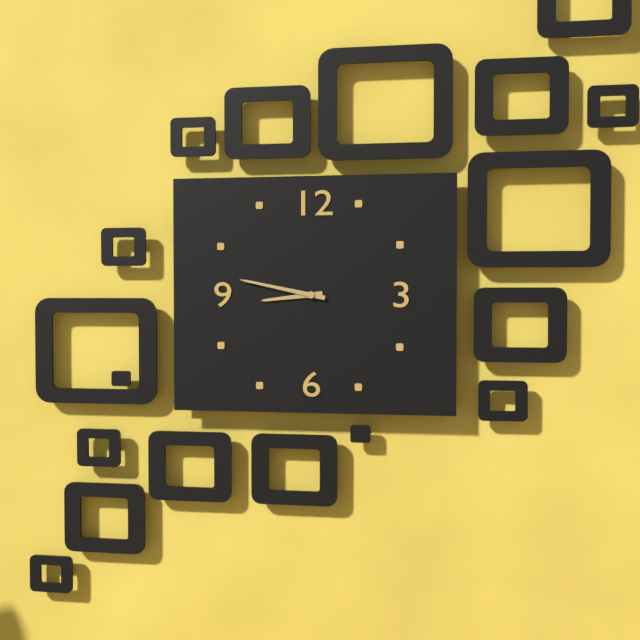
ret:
8:47
